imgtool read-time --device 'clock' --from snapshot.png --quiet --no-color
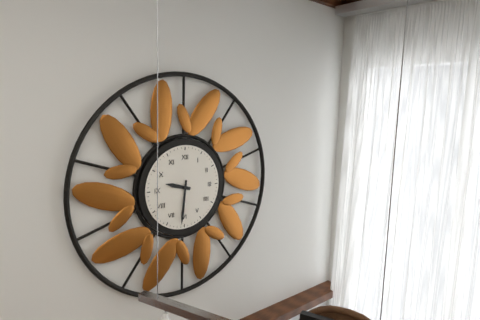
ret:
9:31
